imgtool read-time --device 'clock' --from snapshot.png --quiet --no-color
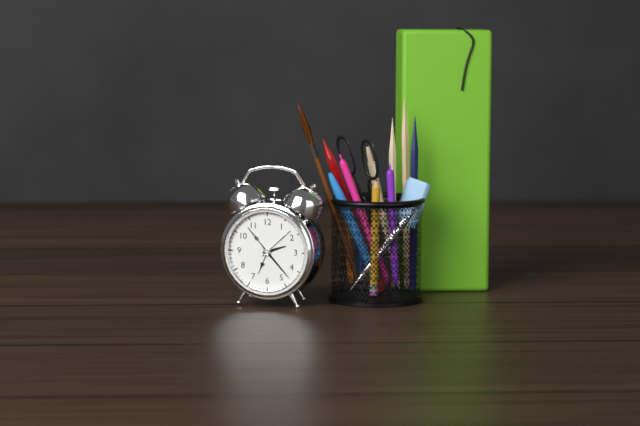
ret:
2:23
